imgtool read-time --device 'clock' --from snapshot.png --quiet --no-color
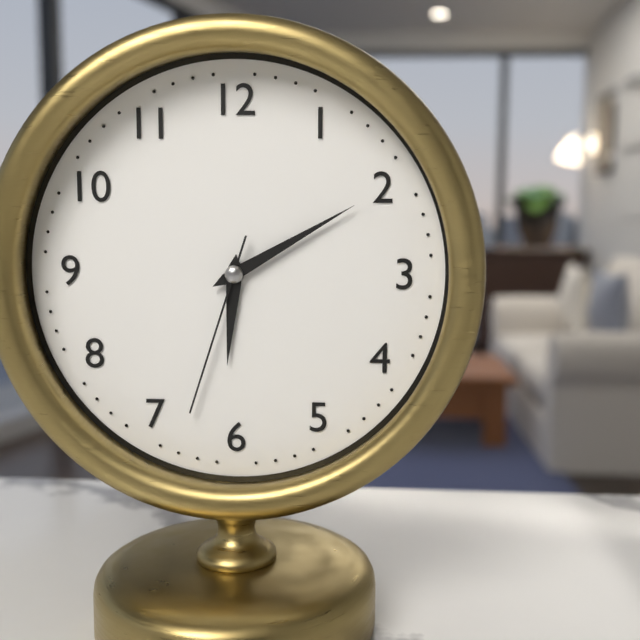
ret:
6:10:33
